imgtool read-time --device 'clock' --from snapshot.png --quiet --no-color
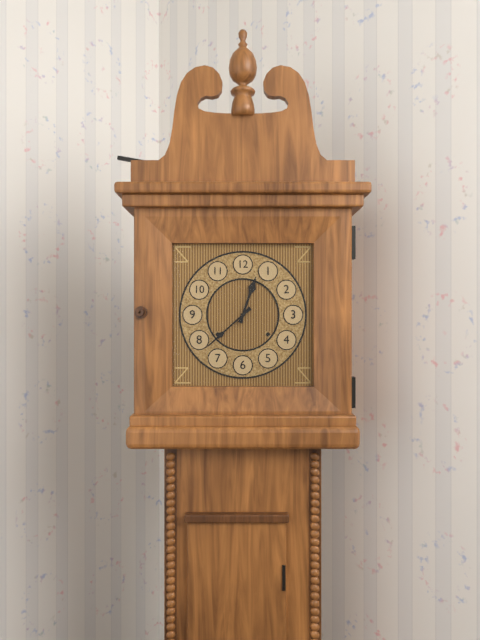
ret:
12:38
